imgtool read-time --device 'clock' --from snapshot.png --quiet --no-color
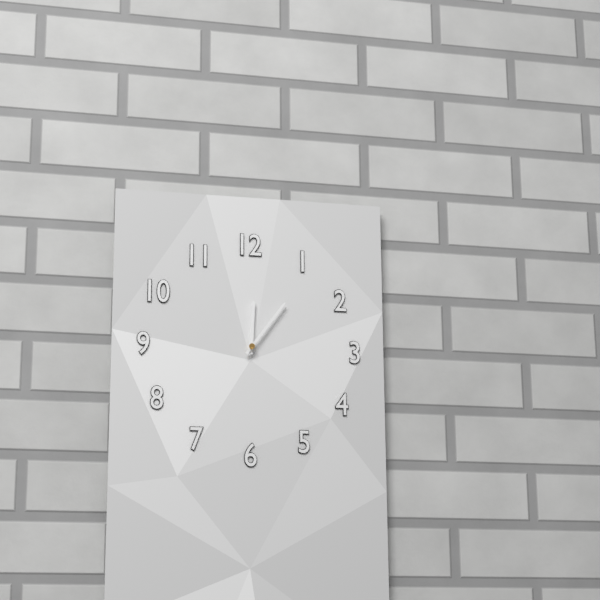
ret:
12:06
